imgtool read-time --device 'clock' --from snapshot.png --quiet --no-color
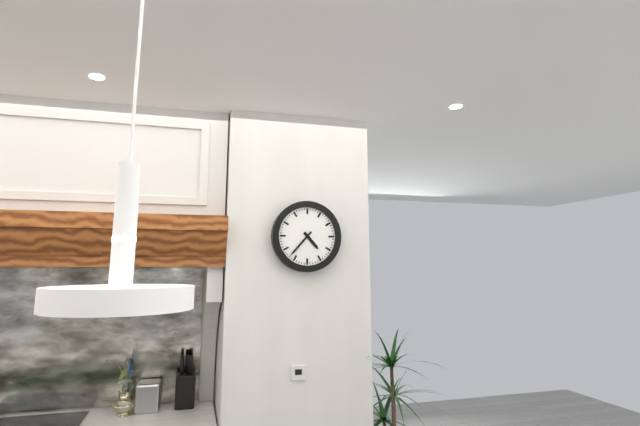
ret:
4:37
